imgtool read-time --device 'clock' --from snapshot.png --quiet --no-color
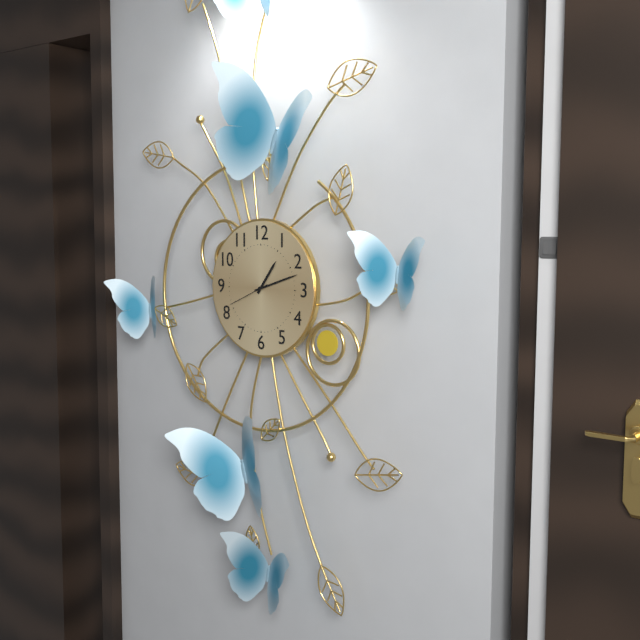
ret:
1:12
